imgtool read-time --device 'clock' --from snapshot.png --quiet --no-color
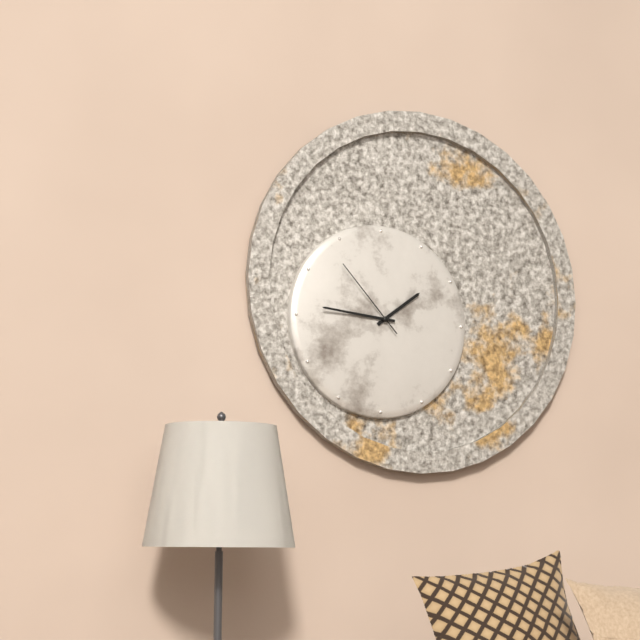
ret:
1:46:53
